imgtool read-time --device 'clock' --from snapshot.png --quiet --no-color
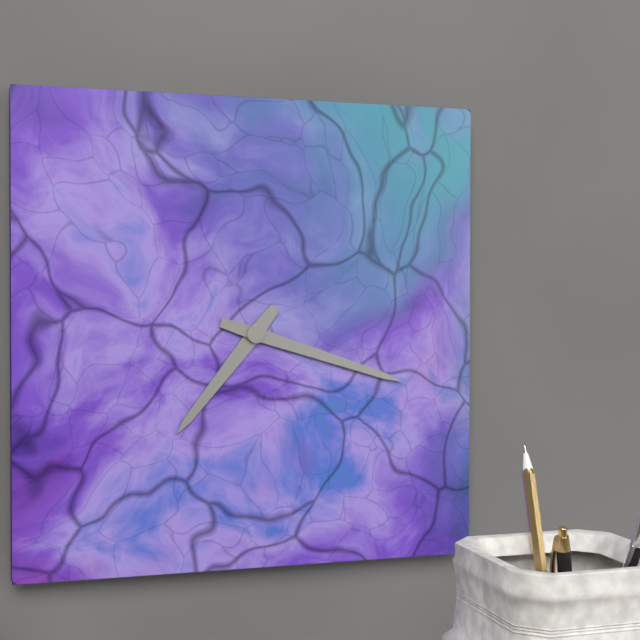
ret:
7:18
